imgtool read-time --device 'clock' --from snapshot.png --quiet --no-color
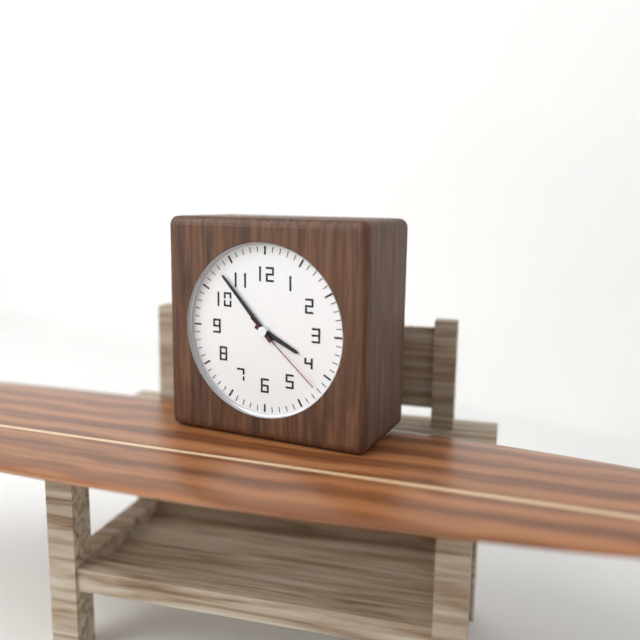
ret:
3:53:22
